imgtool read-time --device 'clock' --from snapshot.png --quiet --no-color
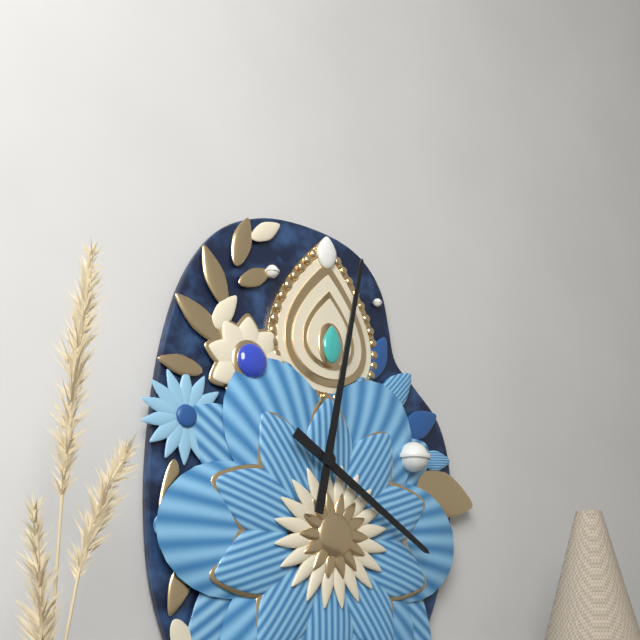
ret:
4:02
